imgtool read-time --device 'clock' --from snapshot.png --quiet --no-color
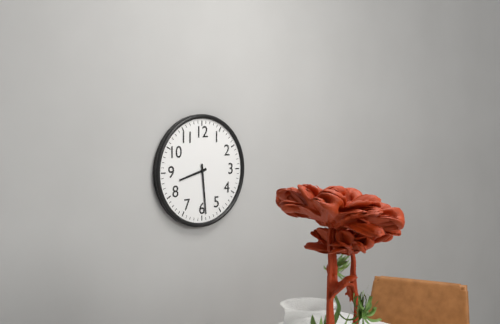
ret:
8:29
